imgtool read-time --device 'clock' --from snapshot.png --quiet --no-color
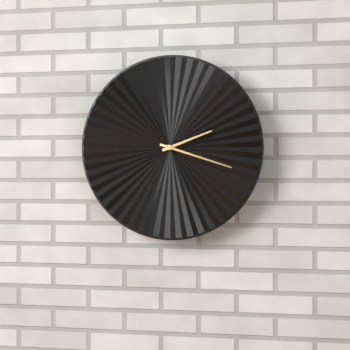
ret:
2:18
